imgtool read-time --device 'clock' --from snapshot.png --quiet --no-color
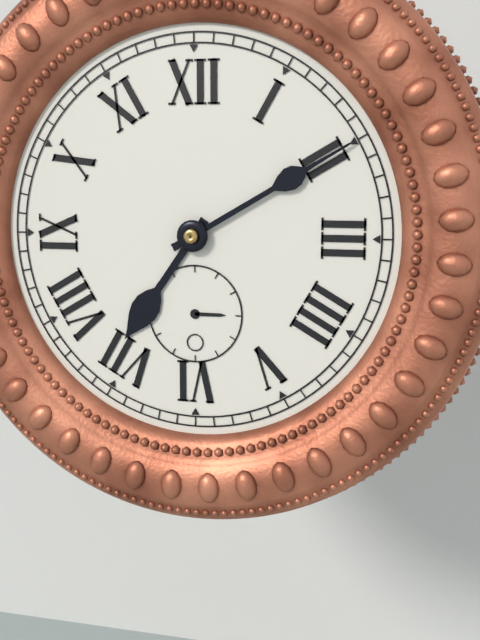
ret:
7:10
